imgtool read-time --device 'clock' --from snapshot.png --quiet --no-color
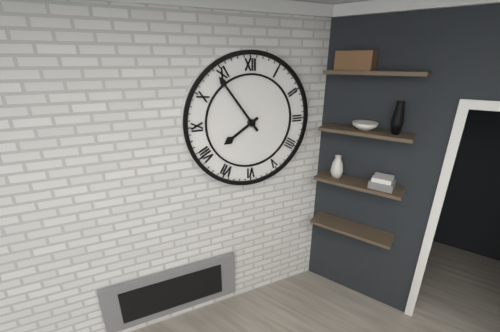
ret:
7:54
